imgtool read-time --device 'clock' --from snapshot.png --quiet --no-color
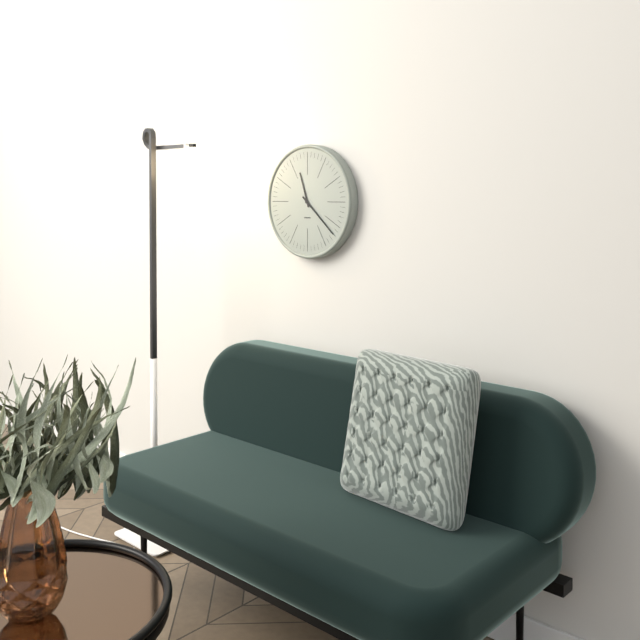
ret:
11:22
